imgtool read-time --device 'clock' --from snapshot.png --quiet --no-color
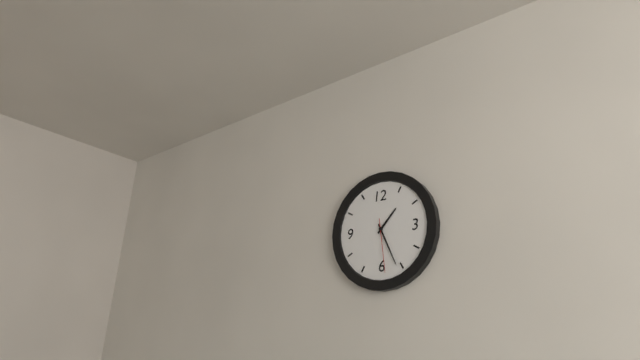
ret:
1:26:29
